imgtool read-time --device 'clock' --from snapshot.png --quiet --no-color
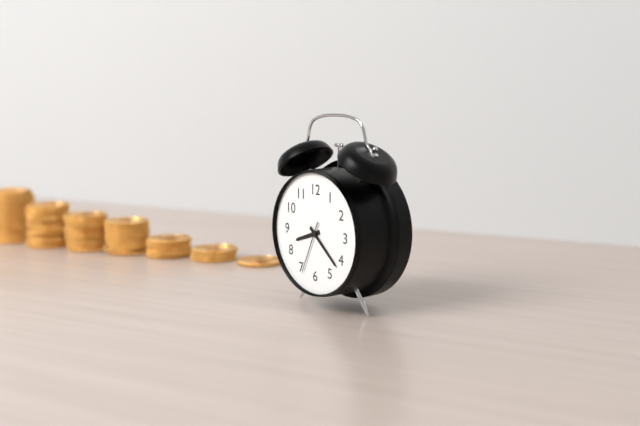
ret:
8:22:34
